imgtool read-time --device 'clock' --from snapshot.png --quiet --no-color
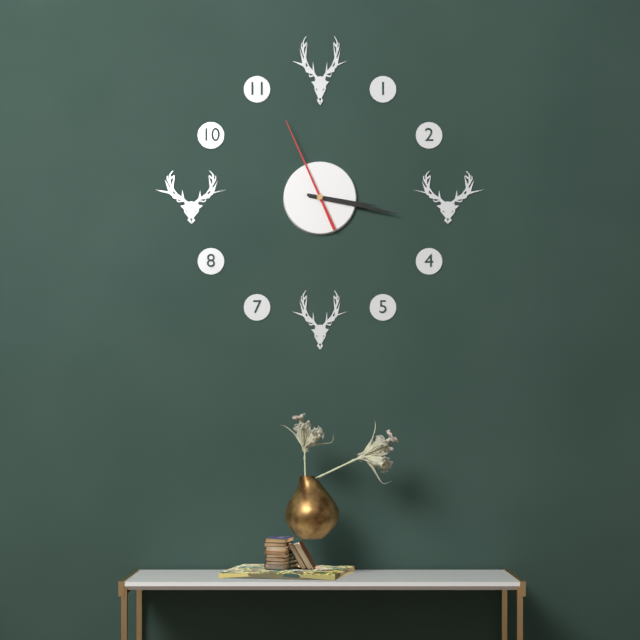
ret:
3:17:56
